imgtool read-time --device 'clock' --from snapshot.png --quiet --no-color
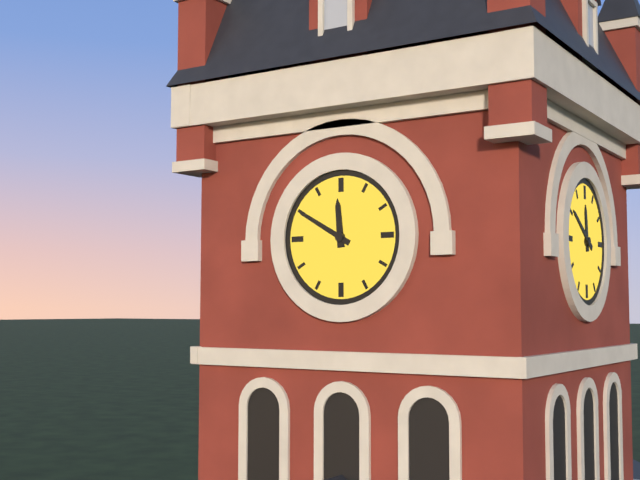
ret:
11:50
